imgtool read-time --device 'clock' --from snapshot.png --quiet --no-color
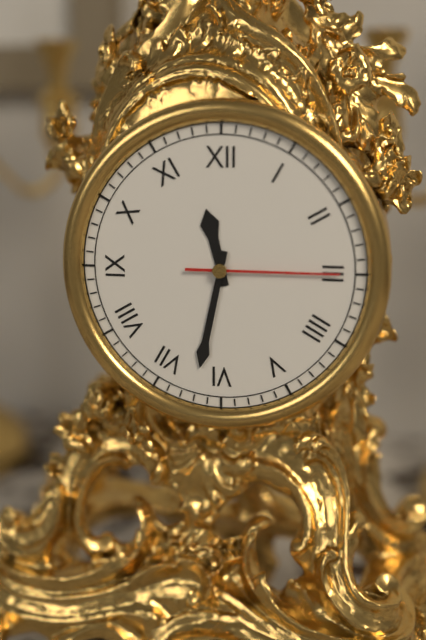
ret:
11:32:15
